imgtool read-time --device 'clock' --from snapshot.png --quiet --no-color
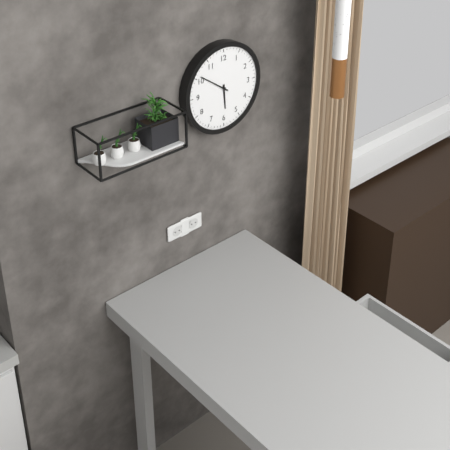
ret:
5:51
